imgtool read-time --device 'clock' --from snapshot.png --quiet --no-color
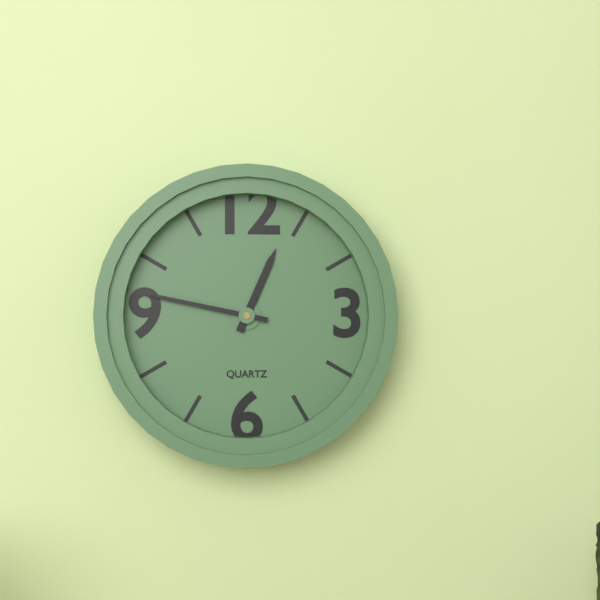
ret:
12:47
